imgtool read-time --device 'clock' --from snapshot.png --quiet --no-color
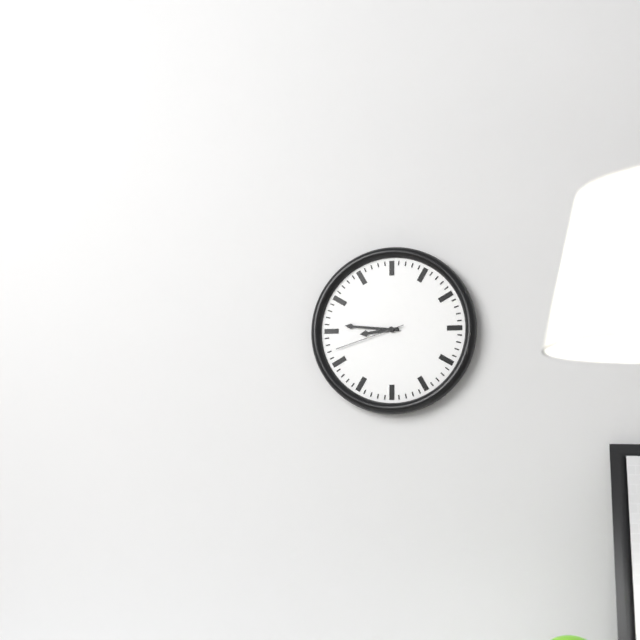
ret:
8:46:42
